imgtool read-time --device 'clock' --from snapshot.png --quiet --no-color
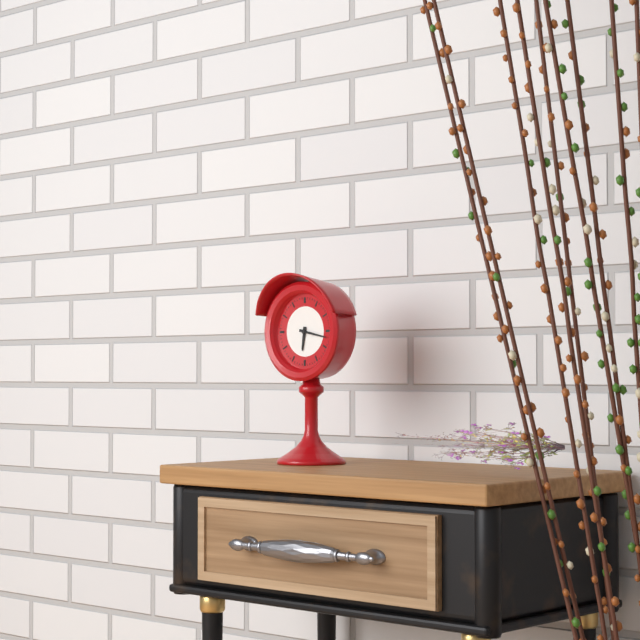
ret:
6:17
